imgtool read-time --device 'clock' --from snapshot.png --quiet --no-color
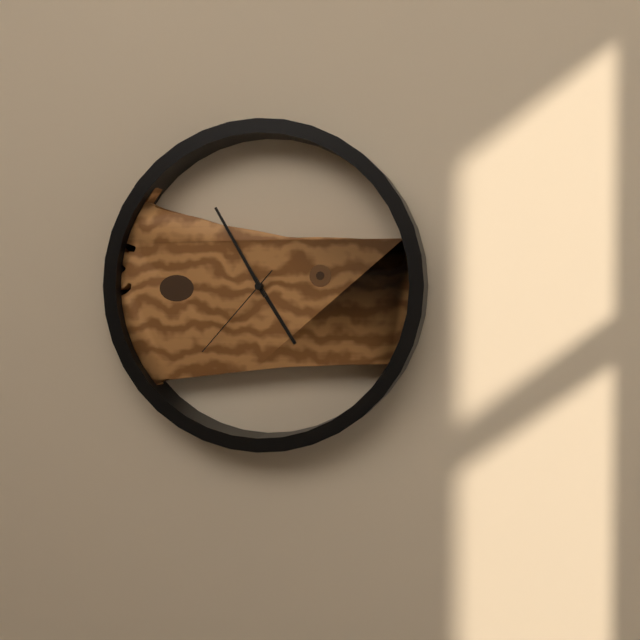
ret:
4:55:37
